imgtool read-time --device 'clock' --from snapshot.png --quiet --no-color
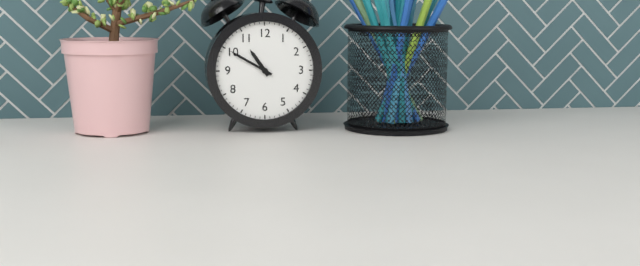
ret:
10:50
